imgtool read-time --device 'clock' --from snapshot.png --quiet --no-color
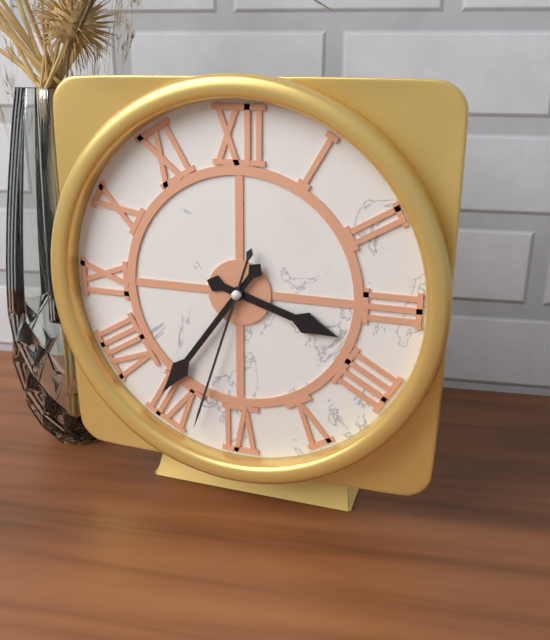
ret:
3:36:33
